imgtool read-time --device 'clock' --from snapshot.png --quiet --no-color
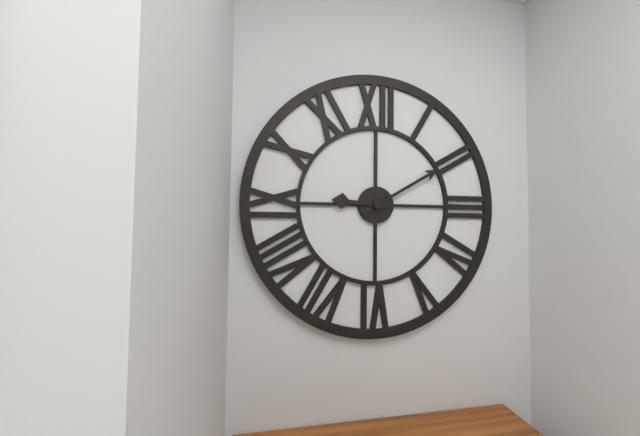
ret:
9:10
